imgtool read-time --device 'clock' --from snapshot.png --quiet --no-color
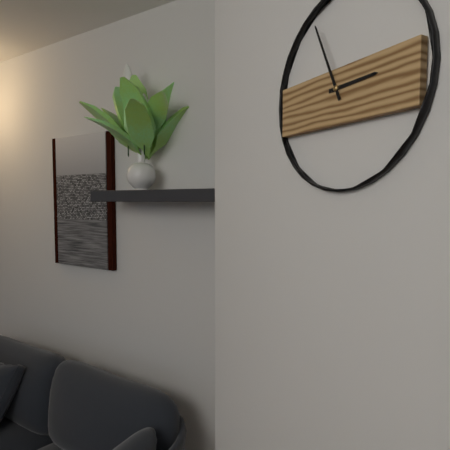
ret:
2:56
